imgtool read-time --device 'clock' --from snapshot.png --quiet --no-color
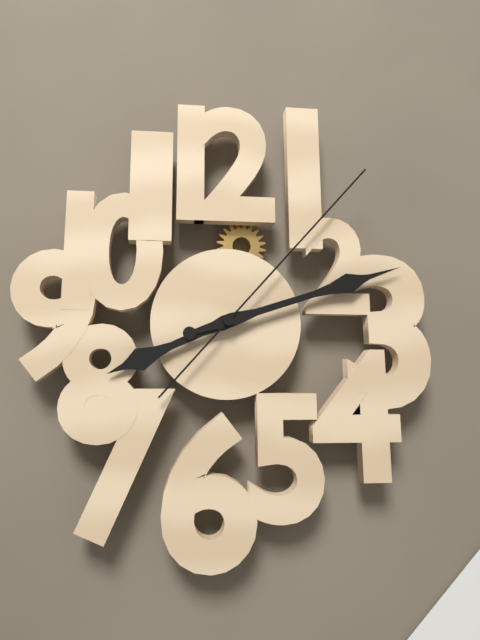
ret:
8:12:07
